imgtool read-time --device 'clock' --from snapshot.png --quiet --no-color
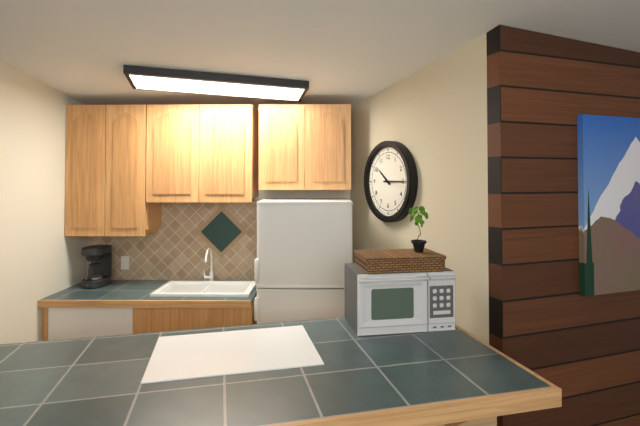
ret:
10:15
